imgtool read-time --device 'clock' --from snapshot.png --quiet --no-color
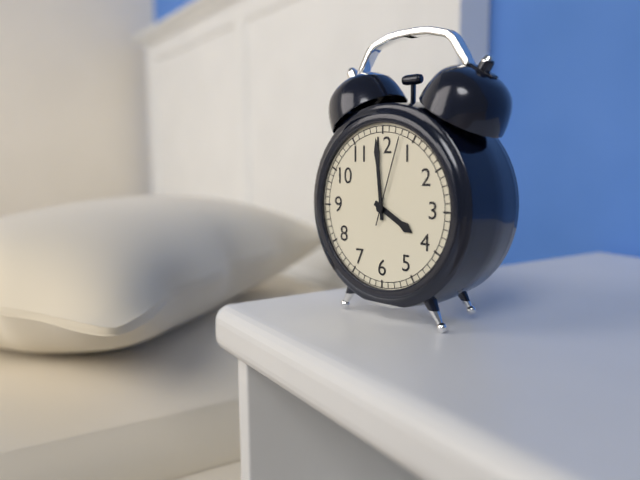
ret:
3:59:03
